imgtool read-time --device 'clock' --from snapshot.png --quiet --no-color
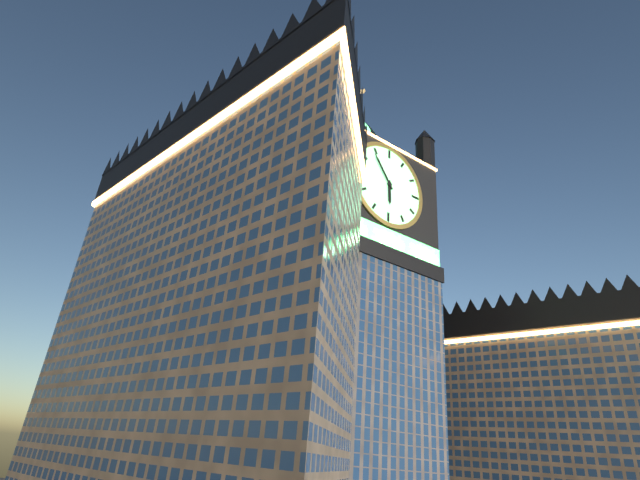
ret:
5:54
